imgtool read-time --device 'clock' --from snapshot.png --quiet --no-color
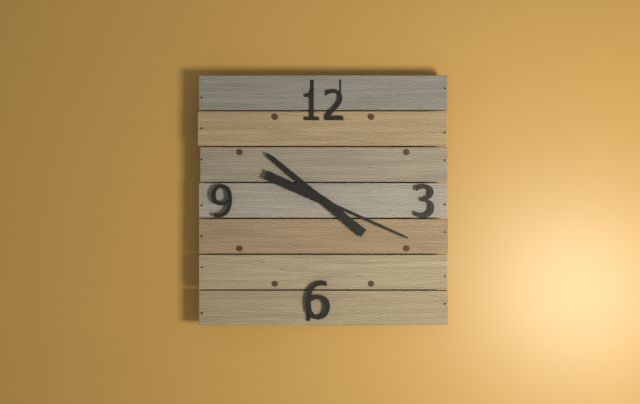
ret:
10:19
